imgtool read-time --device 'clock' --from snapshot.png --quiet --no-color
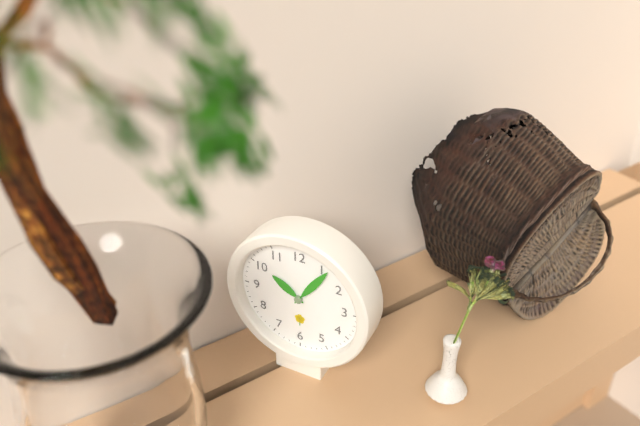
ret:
10:06
